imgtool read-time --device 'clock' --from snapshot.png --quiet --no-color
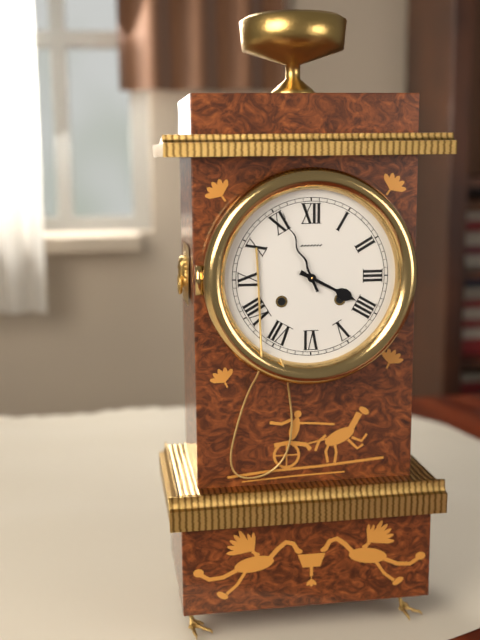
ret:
3:56
